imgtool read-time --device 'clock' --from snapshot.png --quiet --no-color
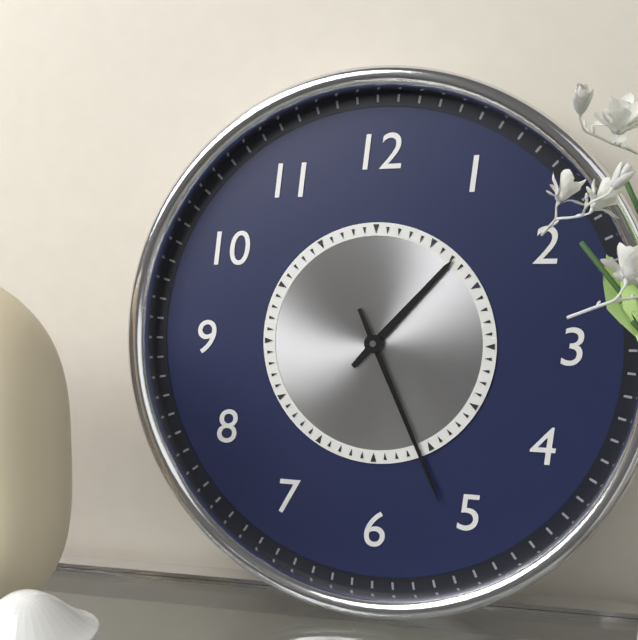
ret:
1:26
